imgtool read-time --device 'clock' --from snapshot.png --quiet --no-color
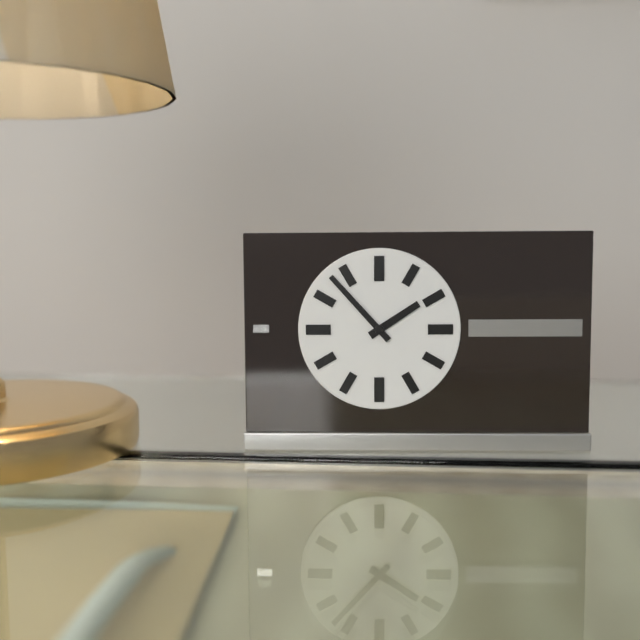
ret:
1:53
